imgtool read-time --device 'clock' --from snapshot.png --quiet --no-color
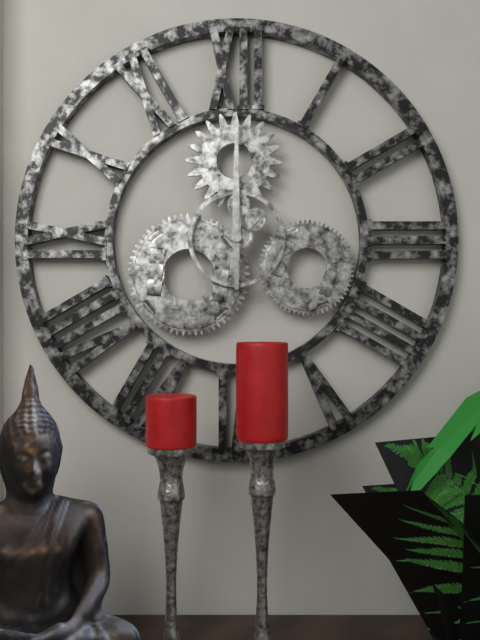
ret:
12:00
